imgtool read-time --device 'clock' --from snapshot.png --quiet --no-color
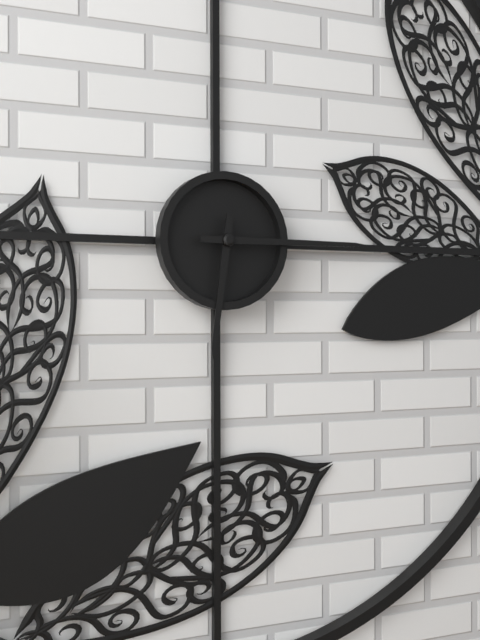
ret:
6:15
